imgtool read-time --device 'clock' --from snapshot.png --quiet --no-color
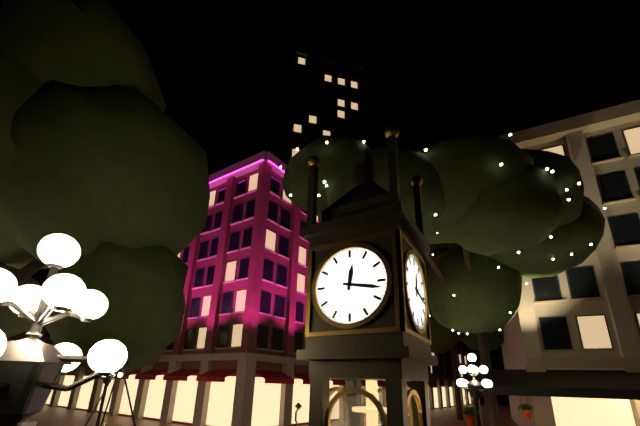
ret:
12:17
